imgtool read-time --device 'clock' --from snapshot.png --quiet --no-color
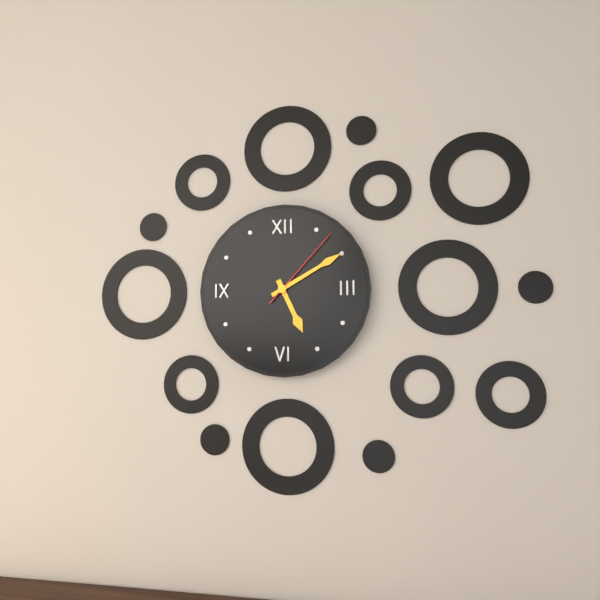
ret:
5:10:07
